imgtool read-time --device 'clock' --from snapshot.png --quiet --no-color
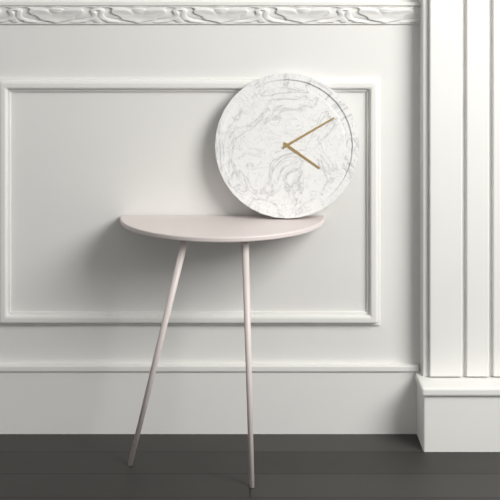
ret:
4:10
